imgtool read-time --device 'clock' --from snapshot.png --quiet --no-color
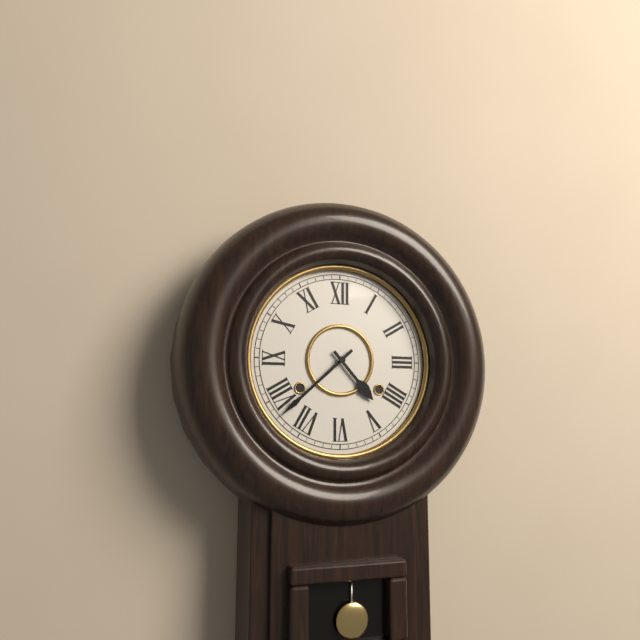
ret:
4:38
